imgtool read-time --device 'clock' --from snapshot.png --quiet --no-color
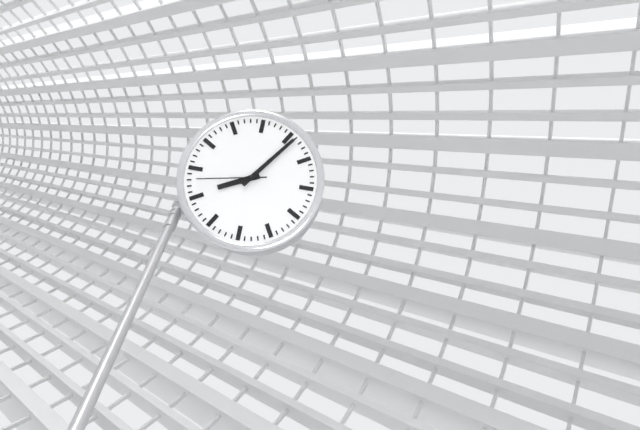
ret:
8:06:43
